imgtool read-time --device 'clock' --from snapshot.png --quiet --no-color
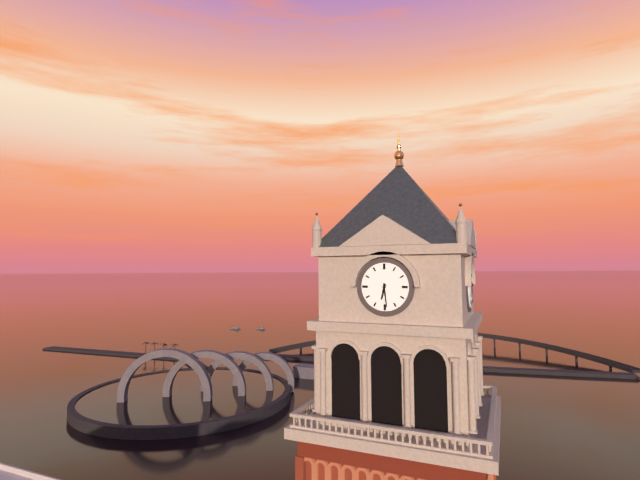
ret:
6:29
